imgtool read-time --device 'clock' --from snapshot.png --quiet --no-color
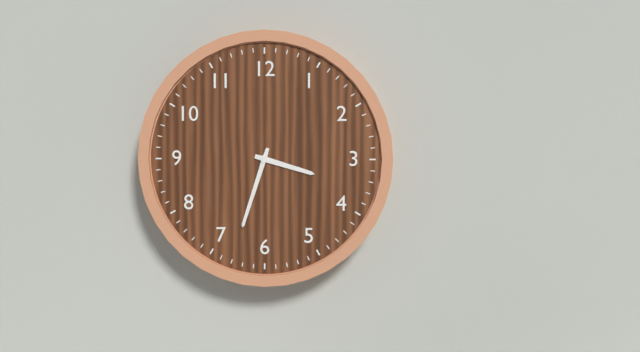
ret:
3:33
